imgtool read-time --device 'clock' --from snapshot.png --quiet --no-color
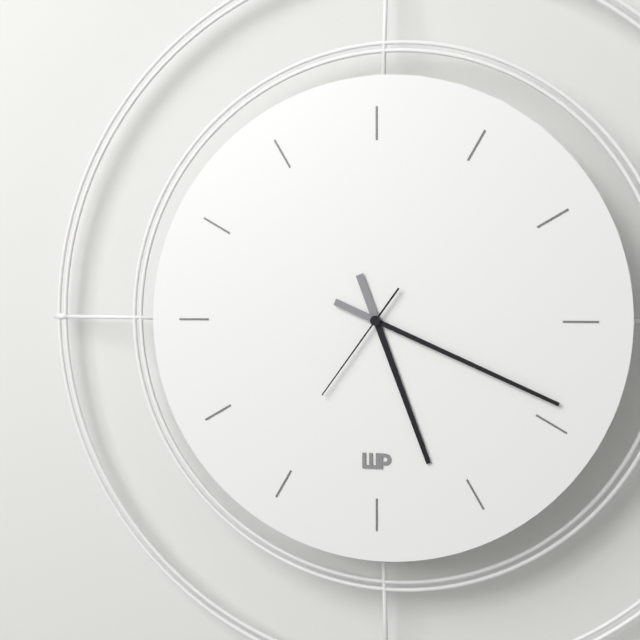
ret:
5:19:36
